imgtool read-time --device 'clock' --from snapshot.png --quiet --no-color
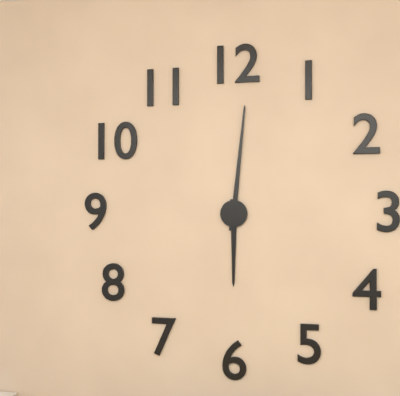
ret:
6:01
